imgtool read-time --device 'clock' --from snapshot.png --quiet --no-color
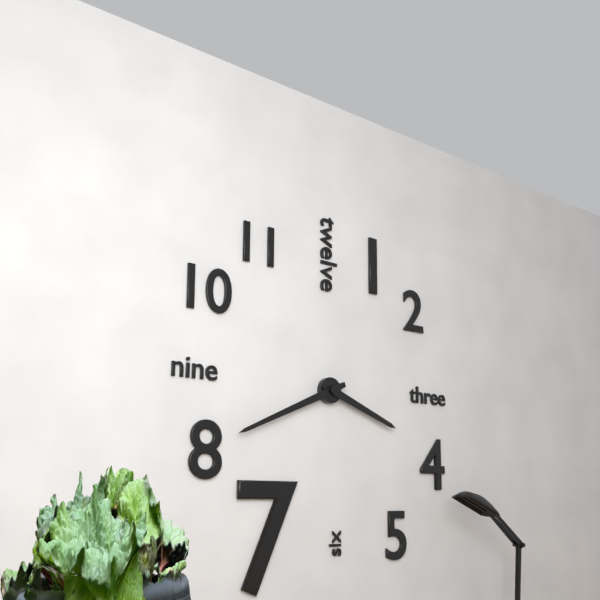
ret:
3:41
